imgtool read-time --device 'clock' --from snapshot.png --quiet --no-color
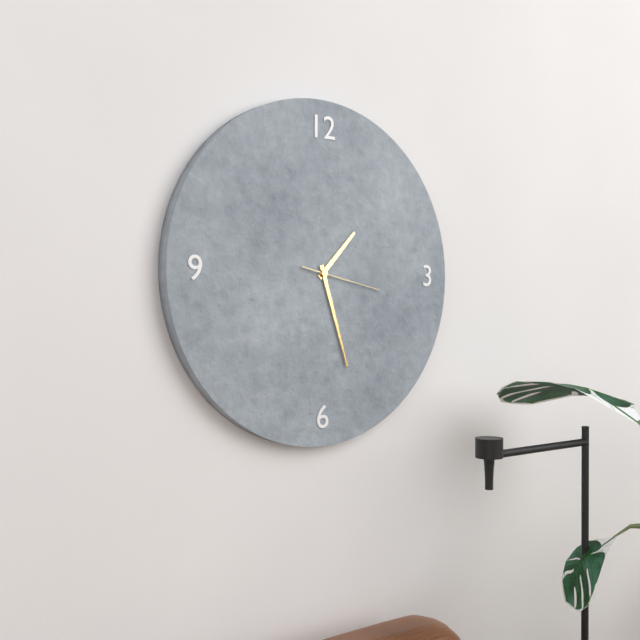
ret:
1:27:17
